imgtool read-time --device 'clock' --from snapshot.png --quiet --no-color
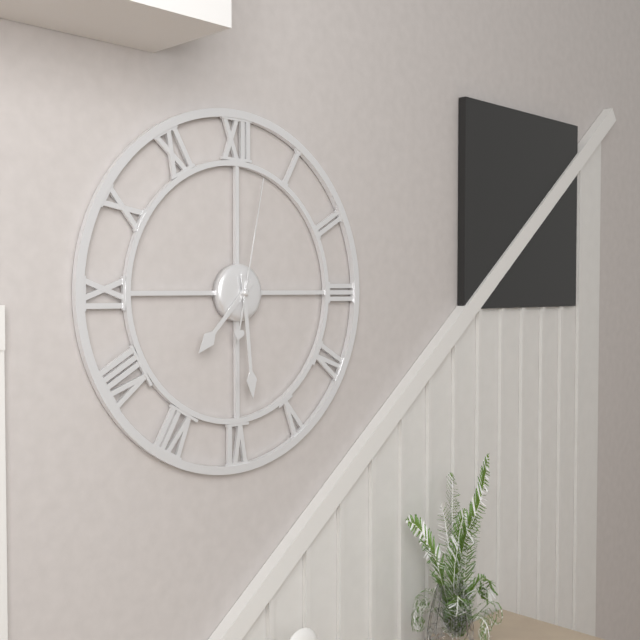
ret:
7:29:02
